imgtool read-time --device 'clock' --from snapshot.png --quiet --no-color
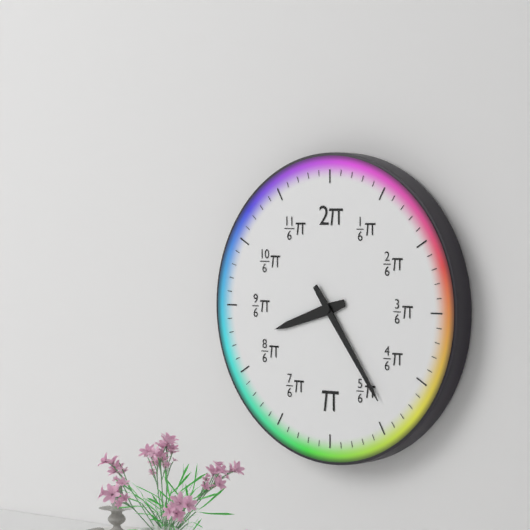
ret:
8:24
